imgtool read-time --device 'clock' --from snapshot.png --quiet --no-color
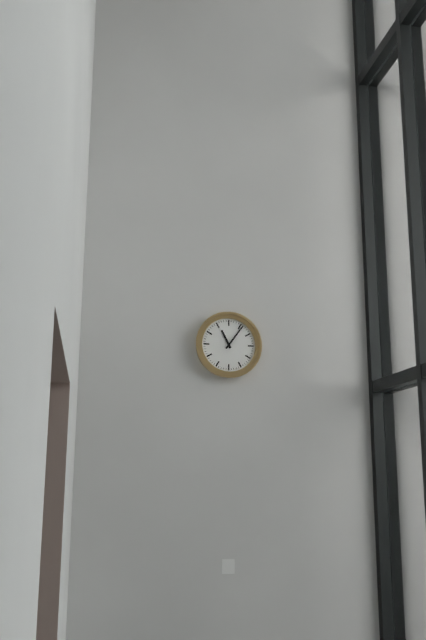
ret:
11:06
